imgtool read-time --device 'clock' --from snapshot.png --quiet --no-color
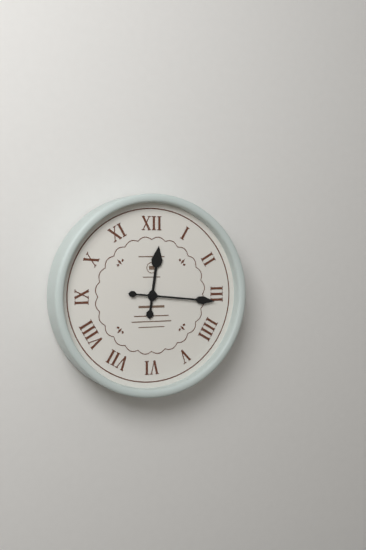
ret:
12:16
